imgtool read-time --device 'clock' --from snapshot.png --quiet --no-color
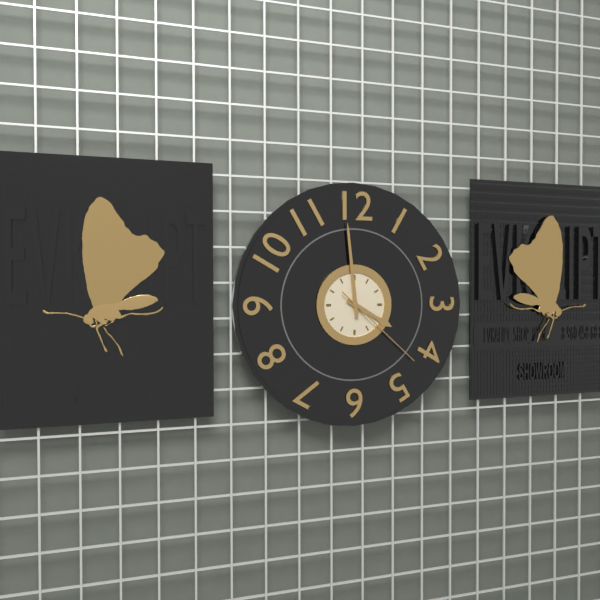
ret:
3:59:22
